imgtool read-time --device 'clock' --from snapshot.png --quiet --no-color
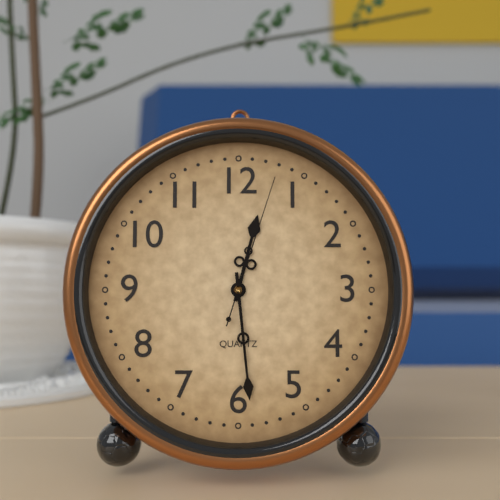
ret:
12:29:03
